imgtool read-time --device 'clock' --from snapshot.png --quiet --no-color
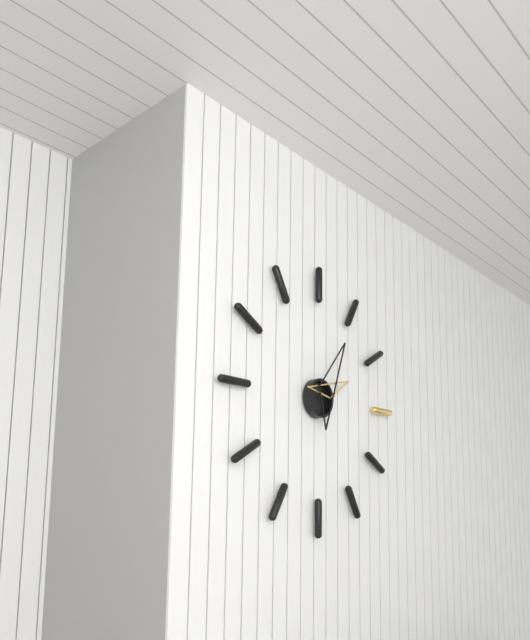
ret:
2:05
